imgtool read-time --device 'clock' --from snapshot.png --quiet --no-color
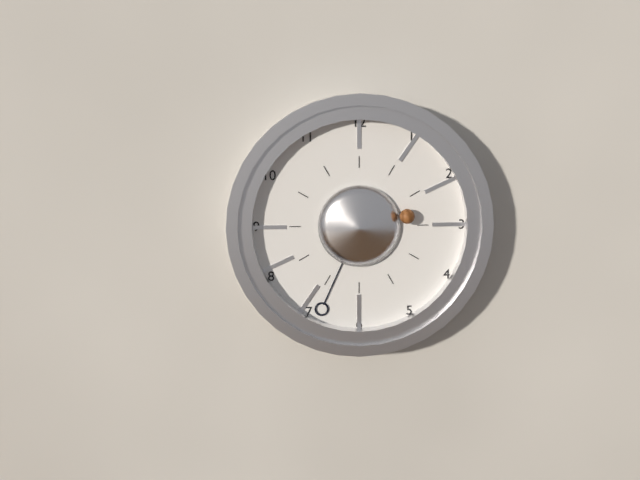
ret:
2:34
